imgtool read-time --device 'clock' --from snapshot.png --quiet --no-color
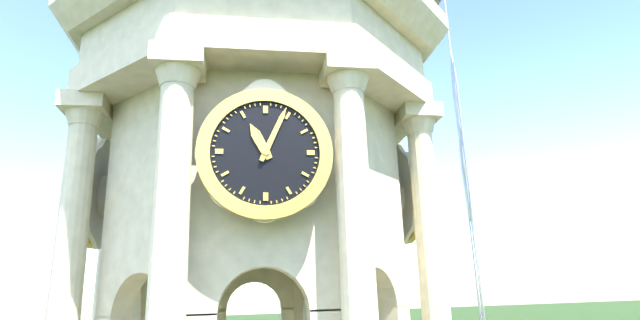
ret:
11:04
